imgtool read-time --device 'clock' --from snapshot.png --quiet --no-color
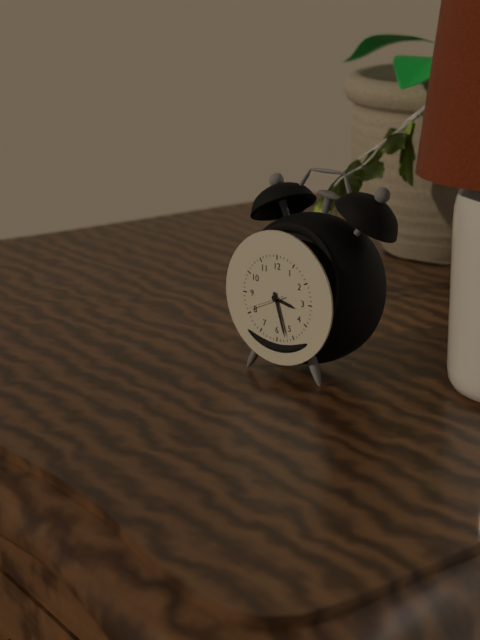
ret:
3:27
